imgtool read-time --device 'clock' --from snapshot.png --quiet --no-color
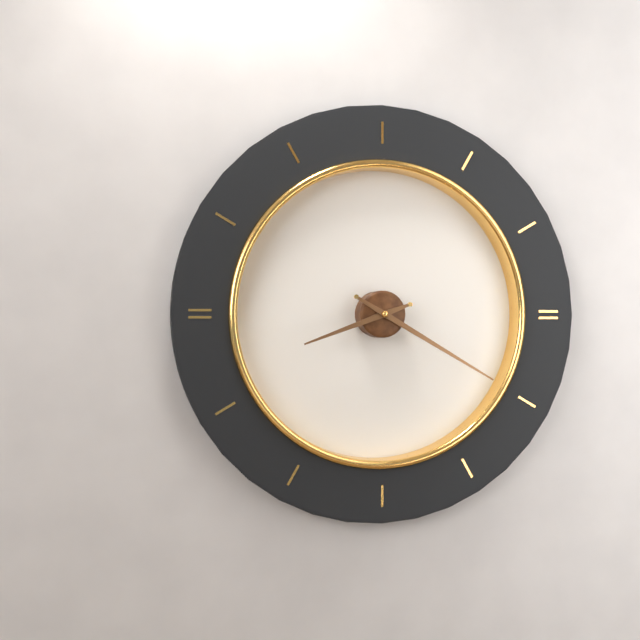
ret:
8:20
